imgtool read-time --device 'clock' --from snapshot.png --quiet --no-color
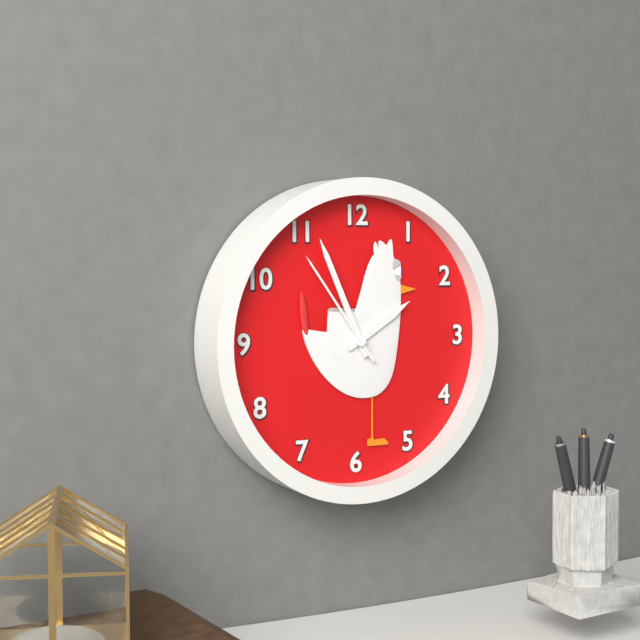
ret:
1:56:54
